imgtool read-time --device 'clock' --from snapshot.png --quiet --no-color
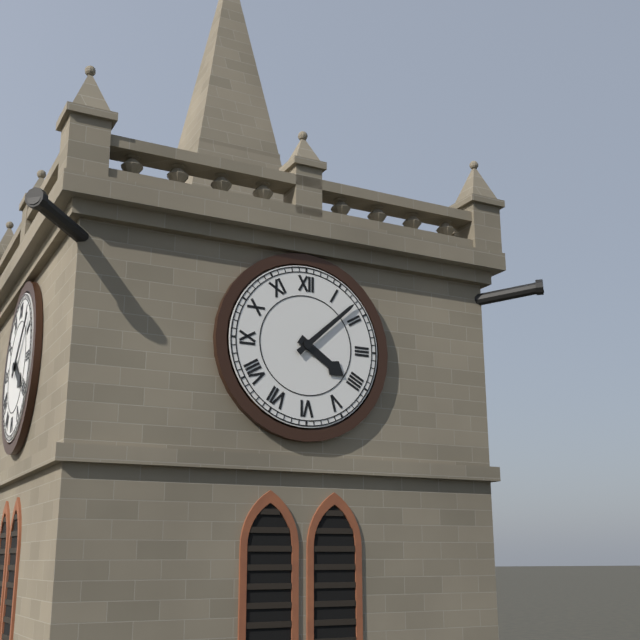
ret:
4:08
